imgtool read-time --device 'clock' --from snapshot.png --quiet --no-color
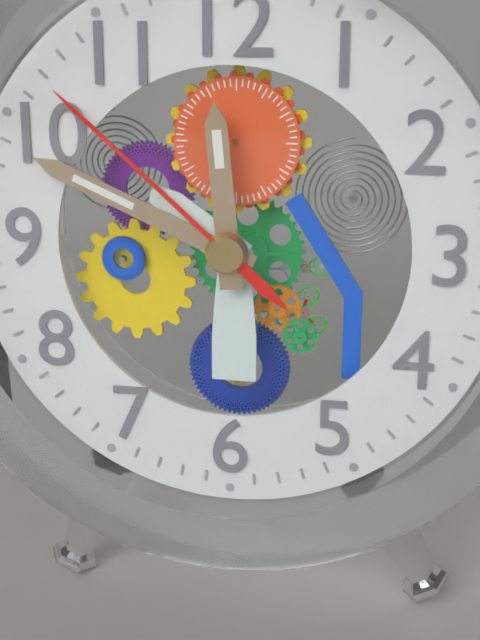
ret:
11:49:52
